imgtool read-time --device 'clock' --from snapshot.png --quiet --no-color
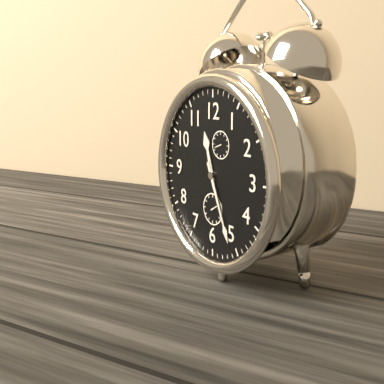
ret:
11:26
